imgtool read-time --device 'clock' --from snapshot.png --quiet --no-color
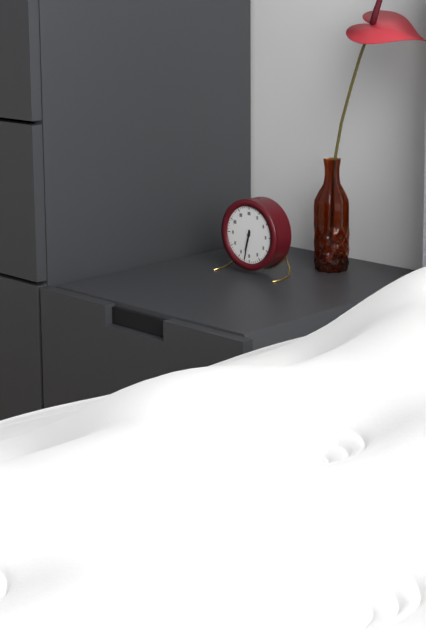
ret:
6:32
